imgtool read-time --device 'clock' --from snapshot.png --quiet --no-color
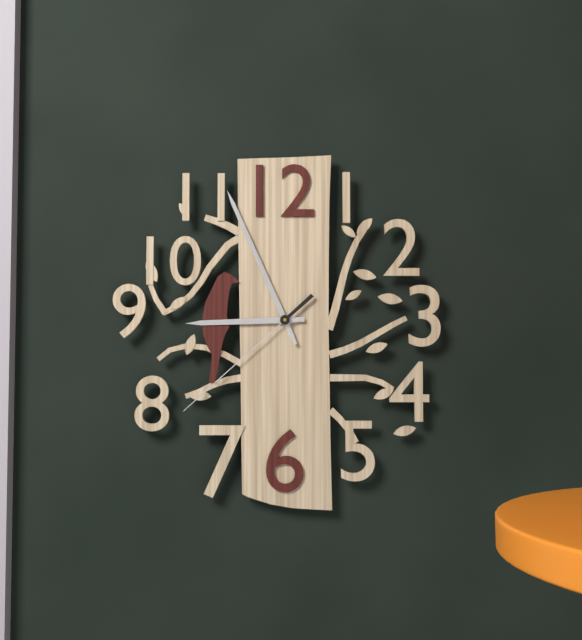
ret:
8:56:38
